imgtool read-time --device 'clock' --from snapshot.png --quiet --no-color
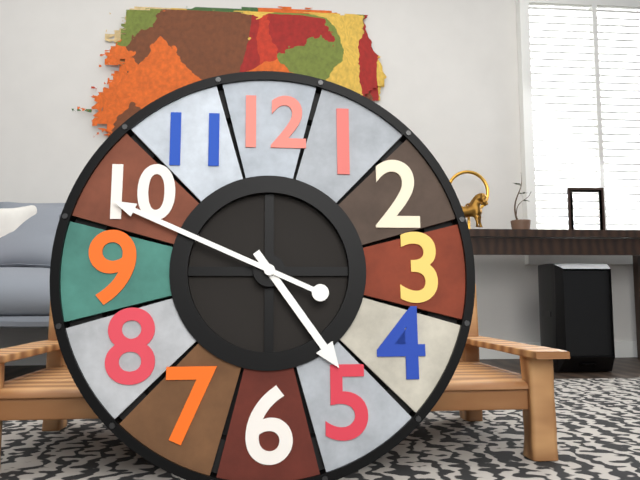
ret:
4:49
